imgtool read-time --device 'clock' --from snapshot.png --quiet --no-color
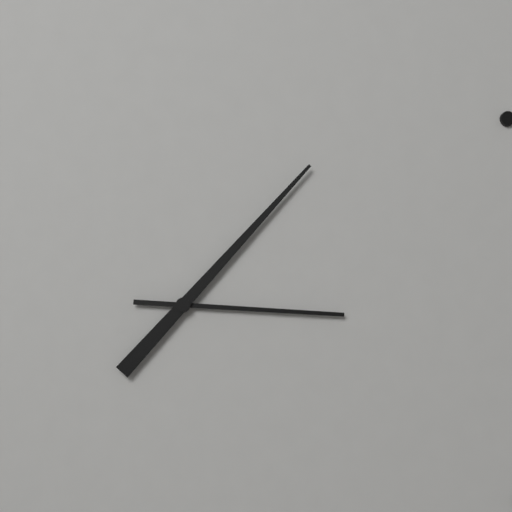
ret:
3:07
